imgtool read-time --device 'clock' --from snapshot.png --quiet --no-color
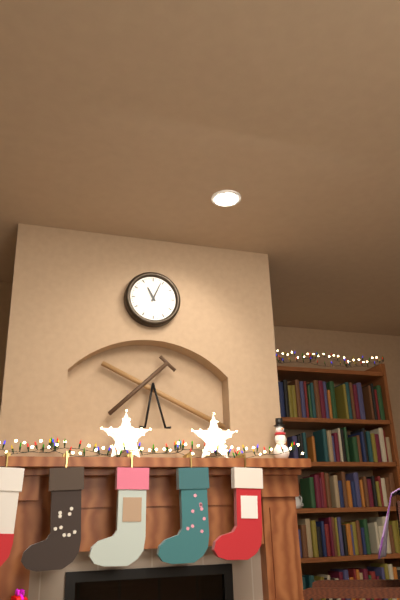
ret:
11:04
